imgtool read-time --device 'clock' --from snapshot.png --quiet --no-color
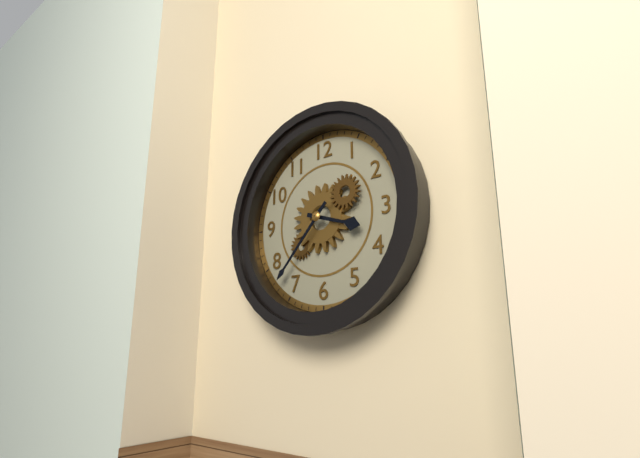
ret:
3:37
